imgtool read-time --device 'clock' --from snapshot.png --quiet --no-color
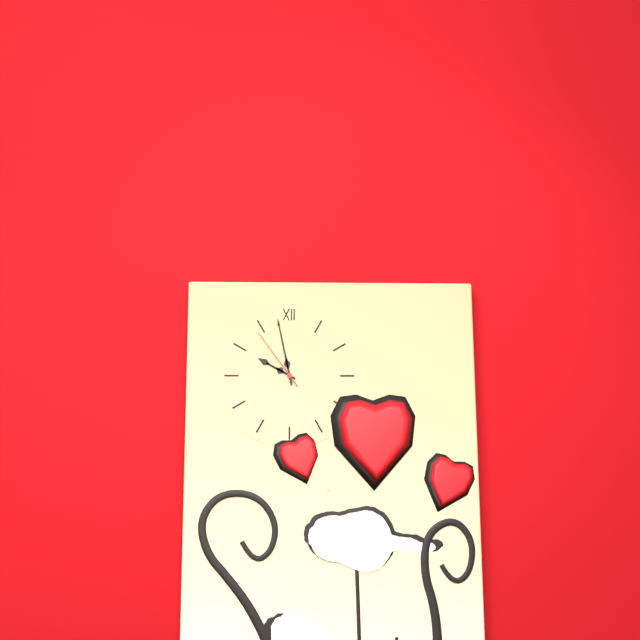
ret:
9:58:54
